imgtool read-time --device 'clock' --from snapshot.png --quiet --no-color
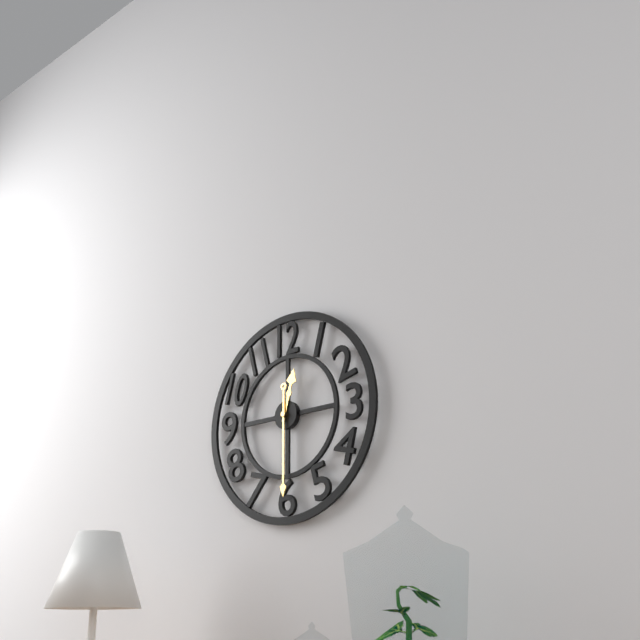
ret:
12:30
